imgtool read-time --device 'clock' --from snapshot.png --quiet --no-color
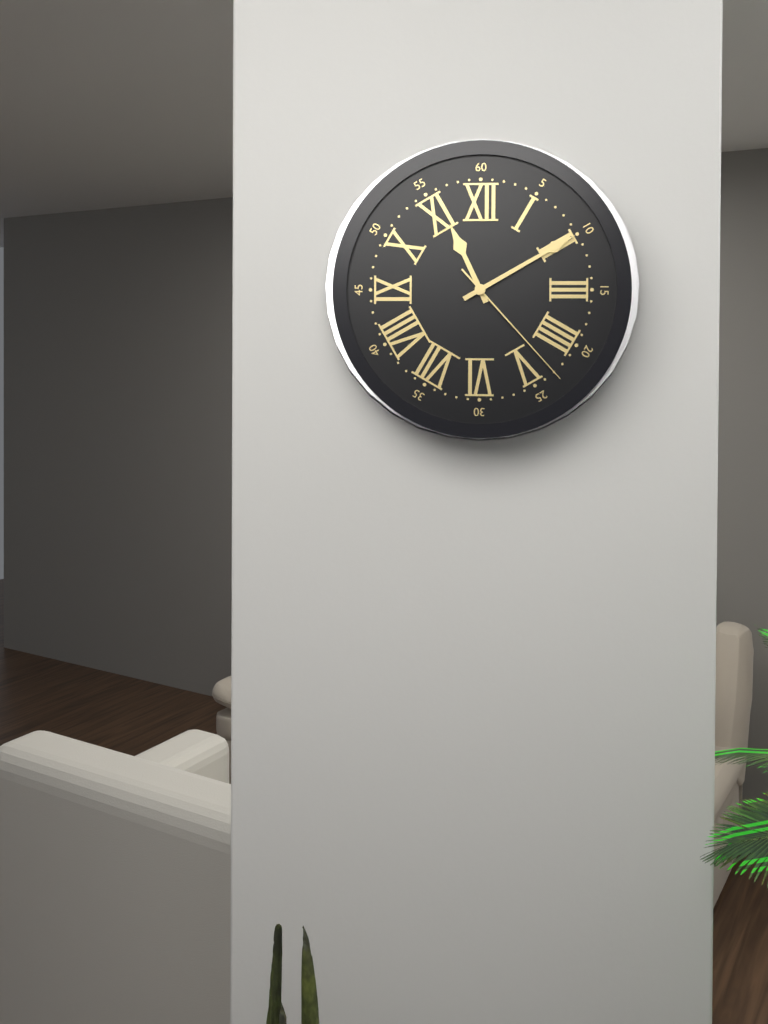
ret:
11:10:23
